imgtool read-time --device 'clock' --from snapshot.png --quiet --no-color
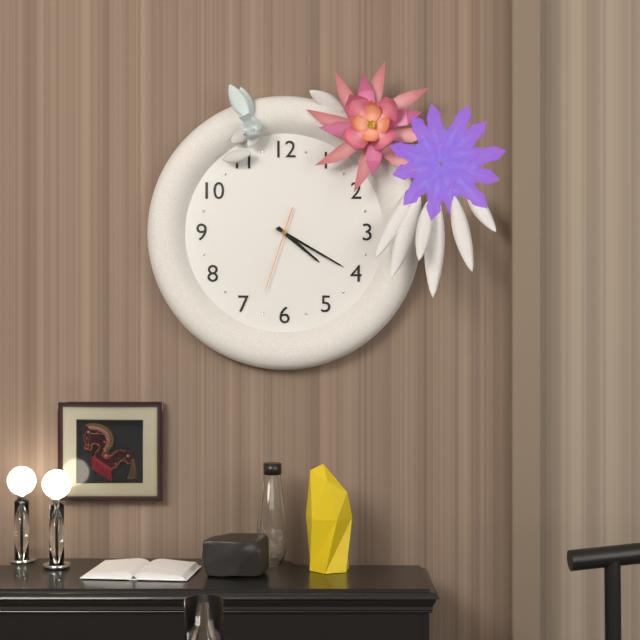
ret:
4:20:33
